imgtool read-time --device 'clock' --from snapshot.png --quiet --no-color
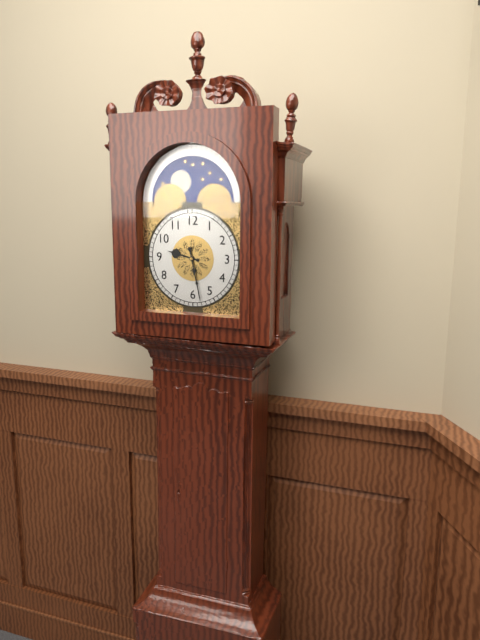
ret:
9:28
